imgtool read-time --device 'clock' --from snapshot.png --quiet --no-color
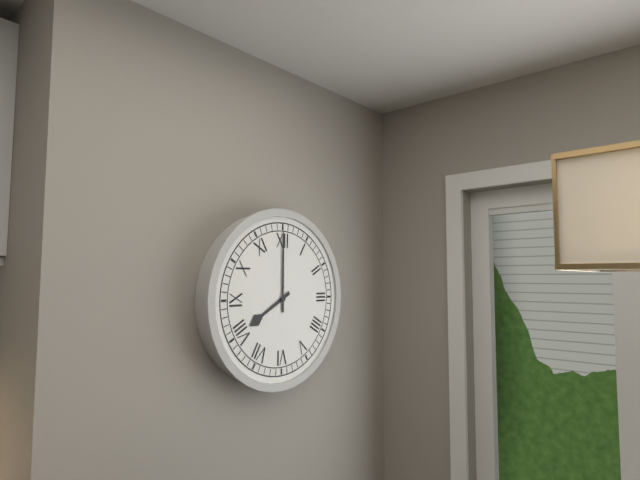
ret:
8:00
